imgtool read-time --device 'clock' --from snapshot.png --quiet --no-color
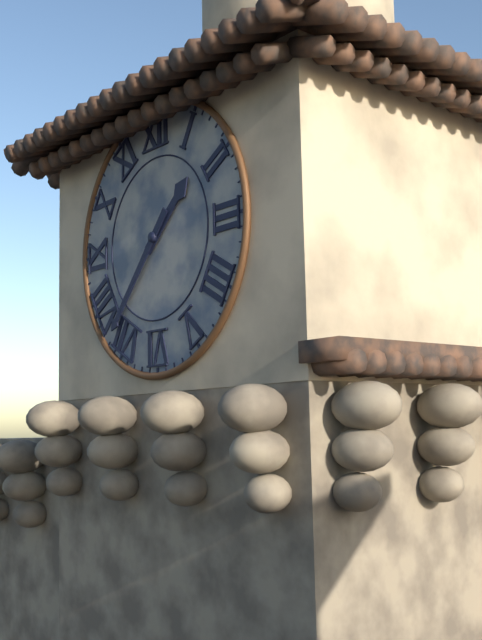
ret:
1:37
